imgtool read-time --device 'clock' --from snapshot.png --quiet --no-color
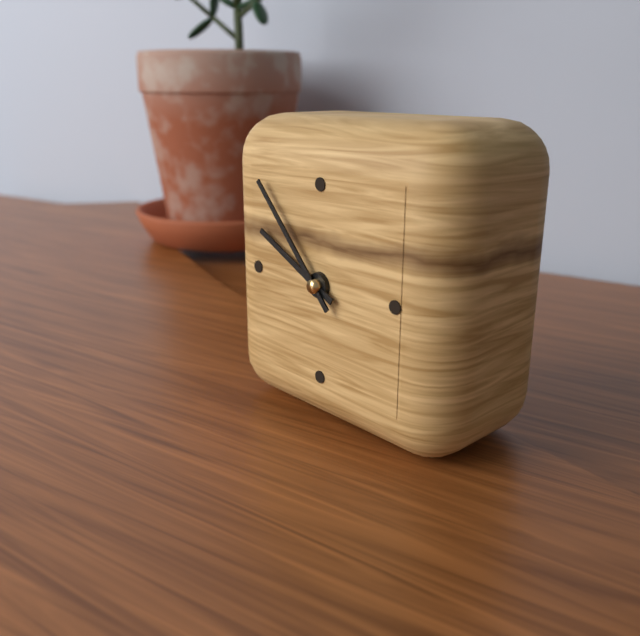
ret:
9:53
